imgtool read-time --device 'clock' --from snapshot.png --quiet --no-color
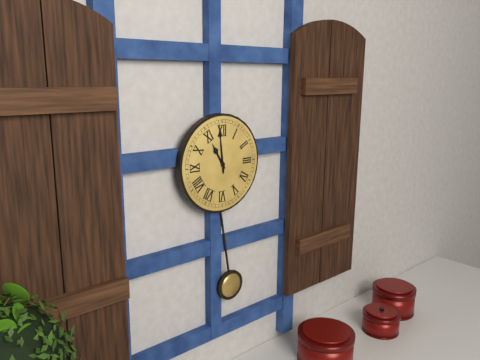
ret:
10:59
